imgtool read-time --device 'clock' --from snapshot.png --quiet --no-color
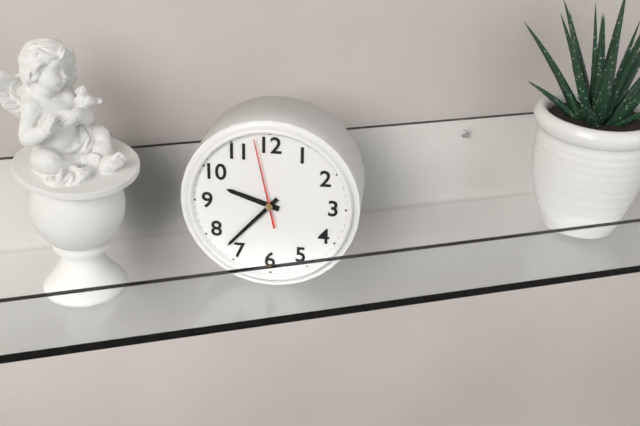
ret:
9:37:58
